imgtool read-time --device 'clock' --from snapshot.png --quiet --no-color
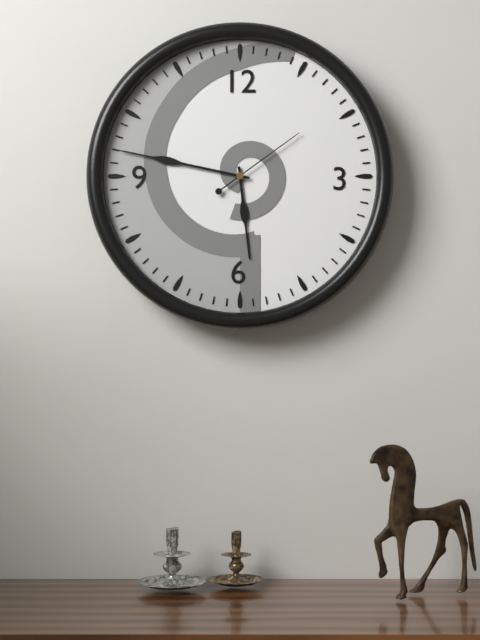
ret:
5:47:09
